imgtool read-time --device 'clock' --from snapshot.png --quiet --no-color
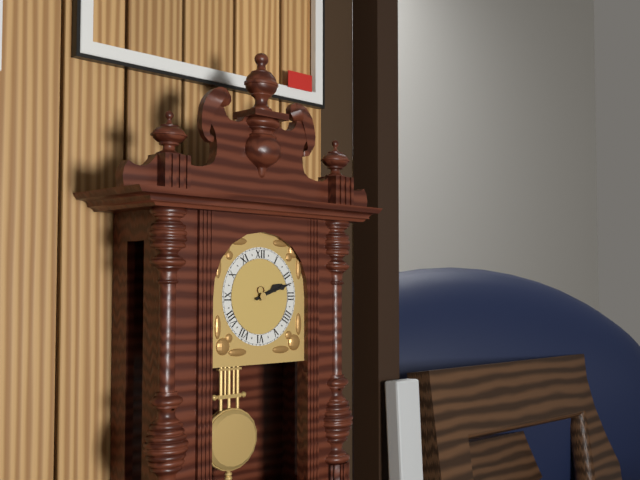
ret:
2:12
